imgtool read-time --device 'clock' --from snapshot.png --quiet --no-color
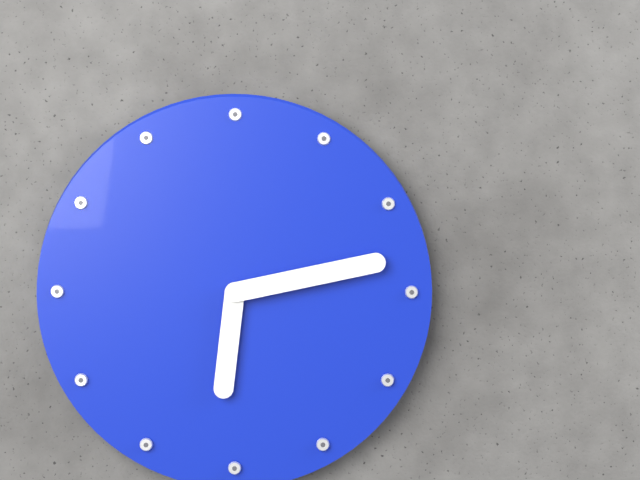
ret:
6:13
